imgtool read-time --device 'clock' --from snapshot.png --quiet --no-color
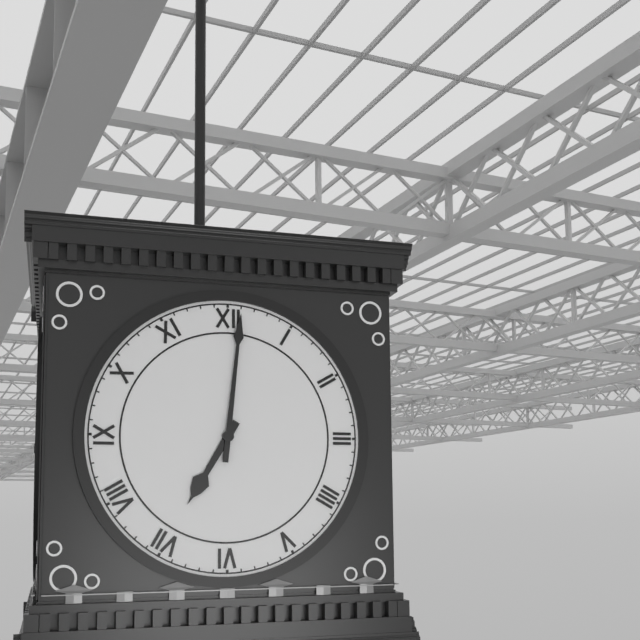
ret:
7:01
